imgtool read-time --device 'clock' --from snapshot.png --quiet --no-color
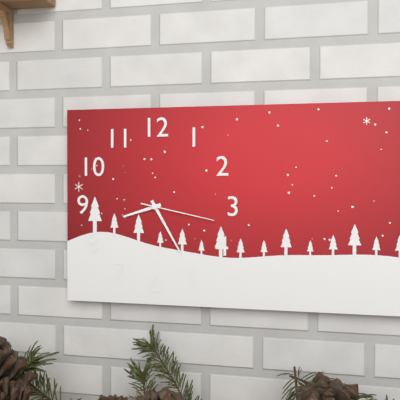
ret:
8:25:17
